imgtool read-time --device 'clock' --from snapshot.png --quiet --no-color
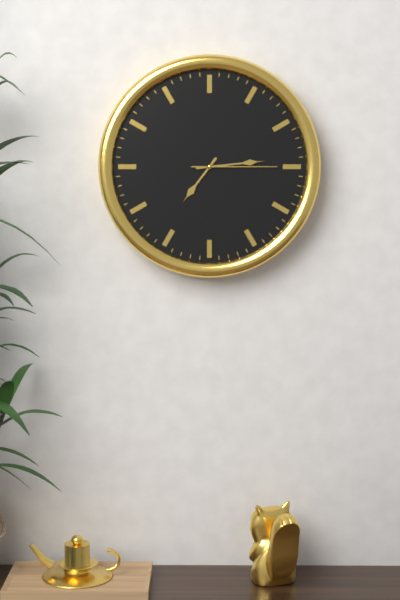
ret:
7:14:15
